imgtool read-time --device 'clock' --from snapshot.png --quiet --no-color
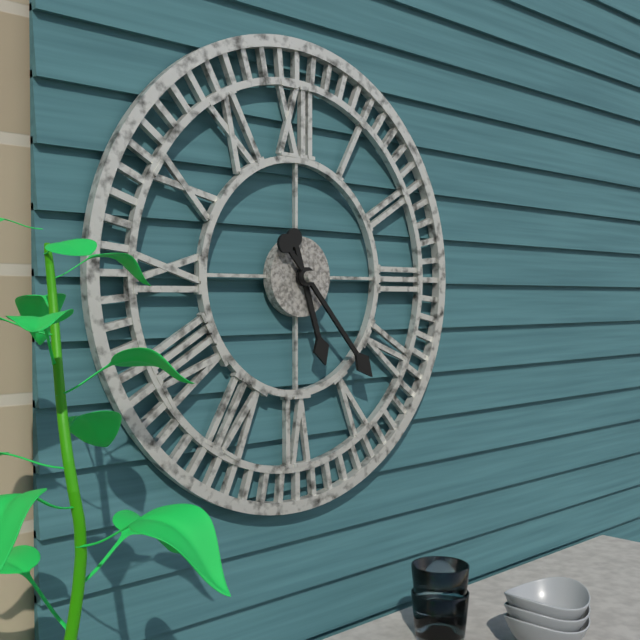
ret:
5:23
